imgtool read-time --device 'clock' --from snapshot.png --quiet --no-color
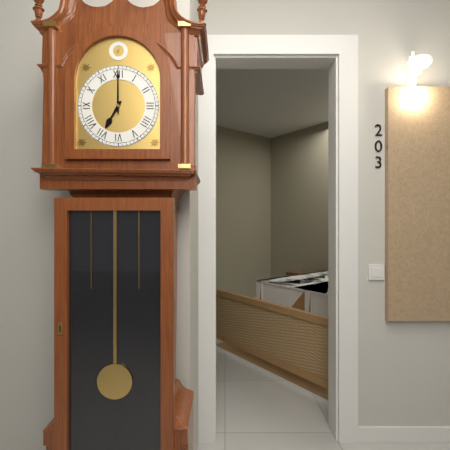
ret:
7:00
